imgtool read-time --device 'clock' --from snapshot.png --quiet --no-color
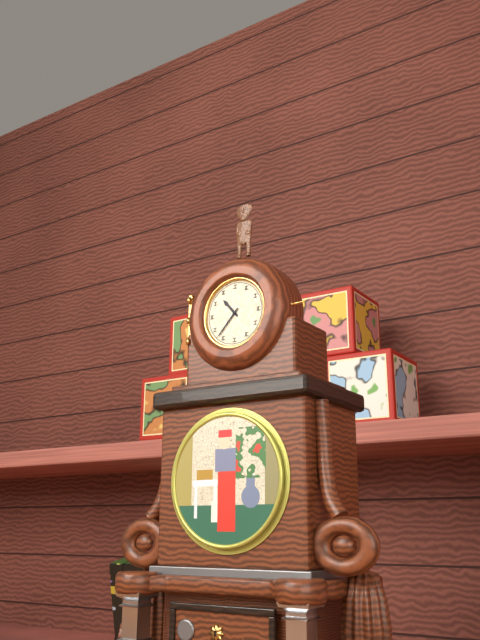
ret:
10:37
